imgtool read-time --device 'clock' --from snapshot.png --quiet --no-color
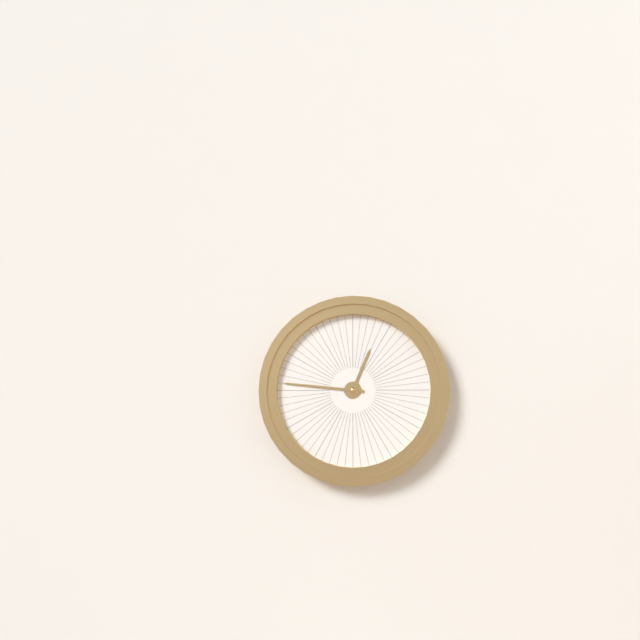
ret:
12:46
